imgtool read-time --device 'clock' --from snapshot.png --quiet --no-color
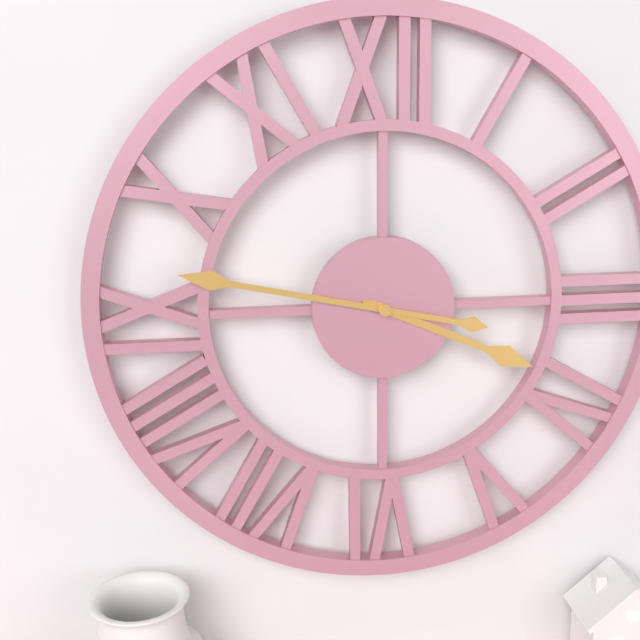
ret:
3:47
